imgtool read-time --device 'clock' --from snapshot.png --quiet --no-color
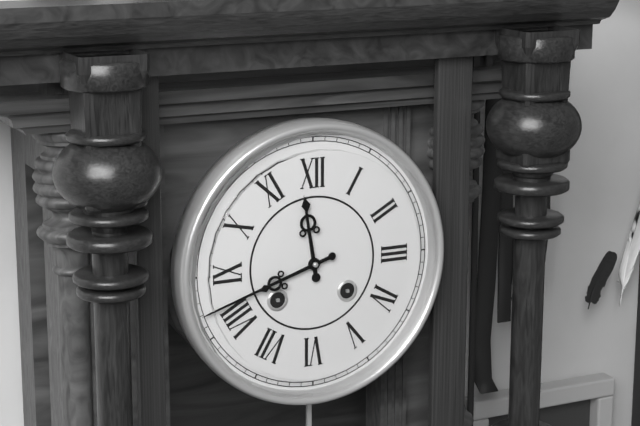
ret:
11:42
